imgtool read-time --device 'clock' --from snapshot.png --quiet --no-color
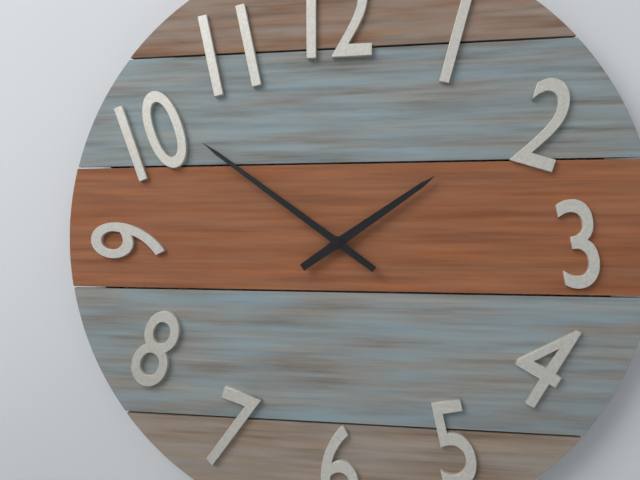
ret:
1:51
